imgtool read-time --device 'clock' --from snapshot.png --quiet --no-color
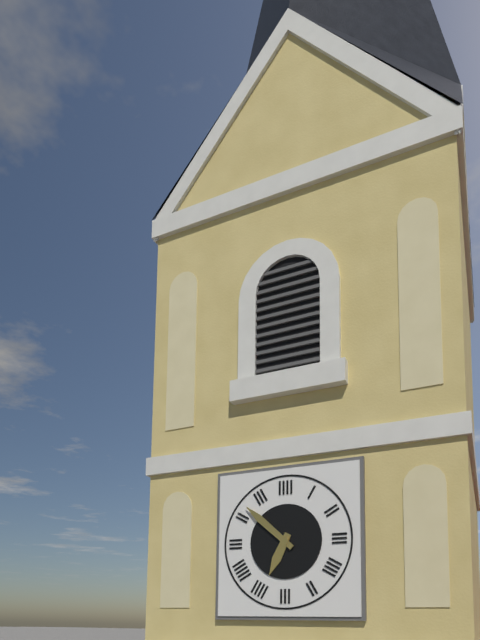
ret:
6:52
